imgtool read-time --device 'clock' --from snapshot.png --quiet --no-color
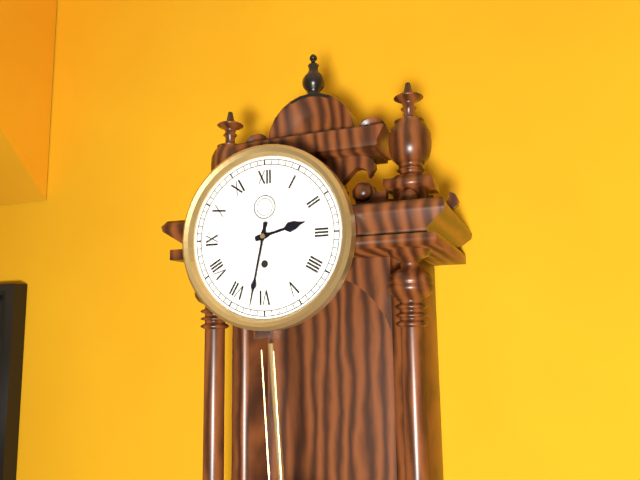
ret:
2:32
